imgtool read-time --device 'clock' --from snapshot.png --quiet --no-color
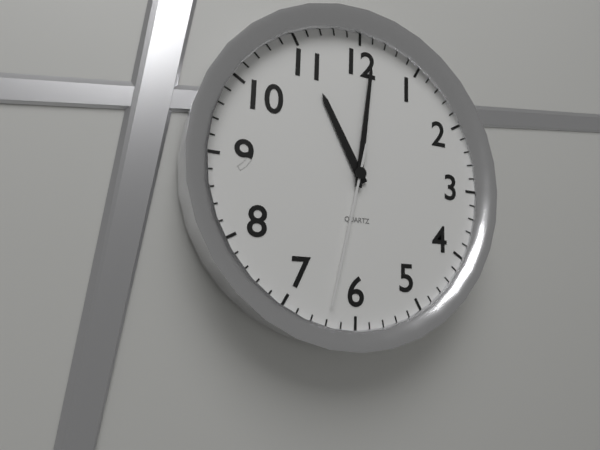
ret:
11:01:32
